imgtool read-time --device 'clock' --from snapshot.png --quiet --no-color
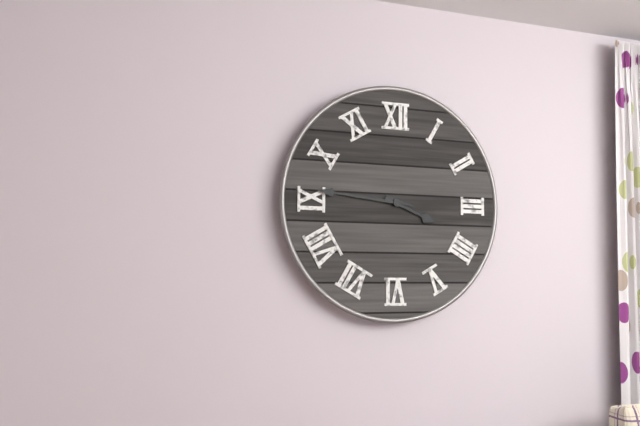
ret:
3:46
